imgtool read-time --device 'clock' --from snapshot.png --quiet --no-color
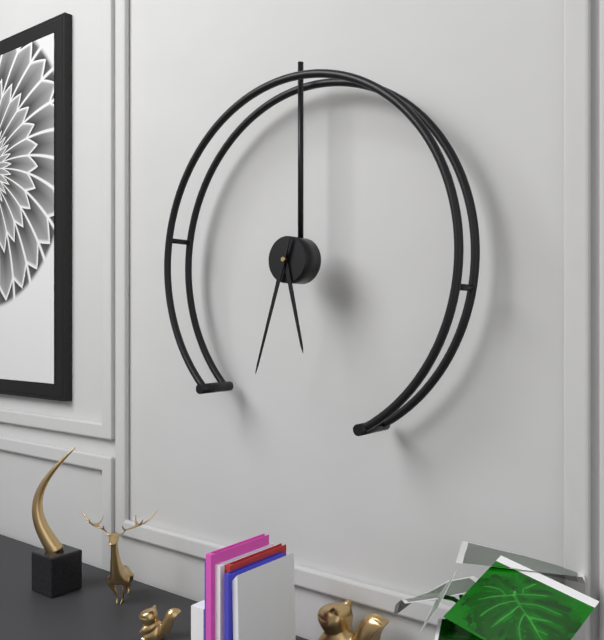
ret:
5:33
